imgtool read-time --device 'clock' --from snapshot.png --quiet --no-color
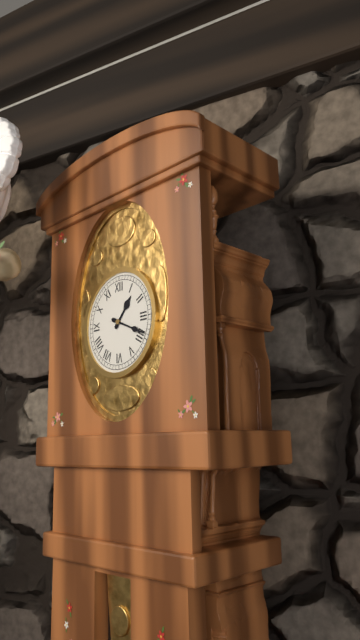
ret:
1:19
